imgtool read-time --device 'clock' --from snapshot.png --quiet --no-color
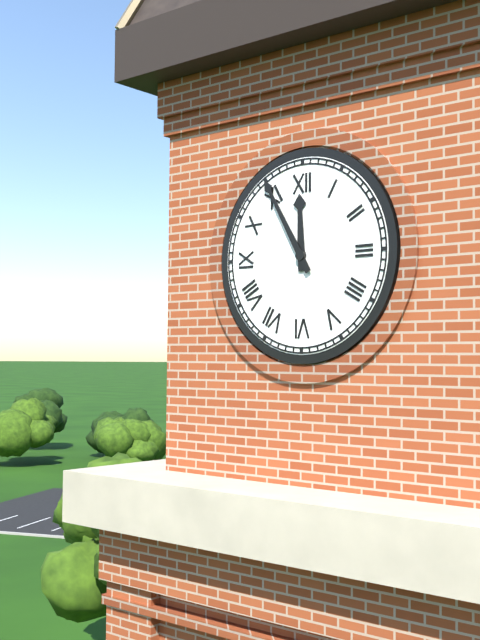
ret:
11:55
